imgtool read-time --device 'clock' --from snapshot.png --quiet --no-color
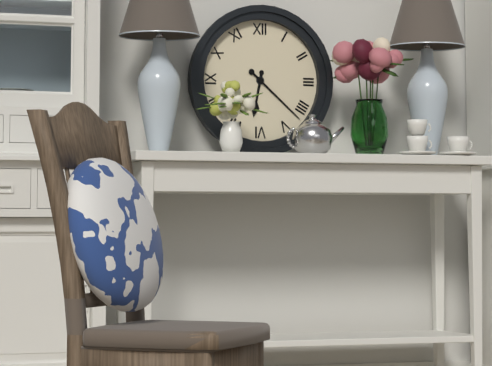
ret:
6:22
